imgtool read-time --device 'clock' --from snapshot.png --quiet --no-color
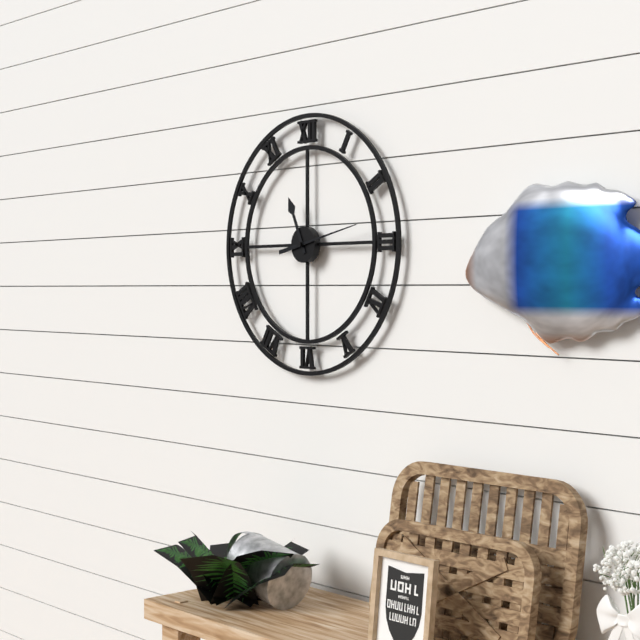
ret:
11:13
